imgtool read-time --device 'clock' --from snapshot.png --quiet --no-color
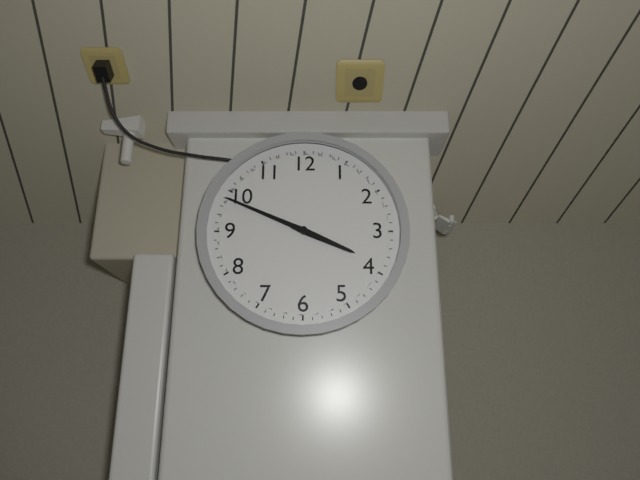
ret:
3:49
